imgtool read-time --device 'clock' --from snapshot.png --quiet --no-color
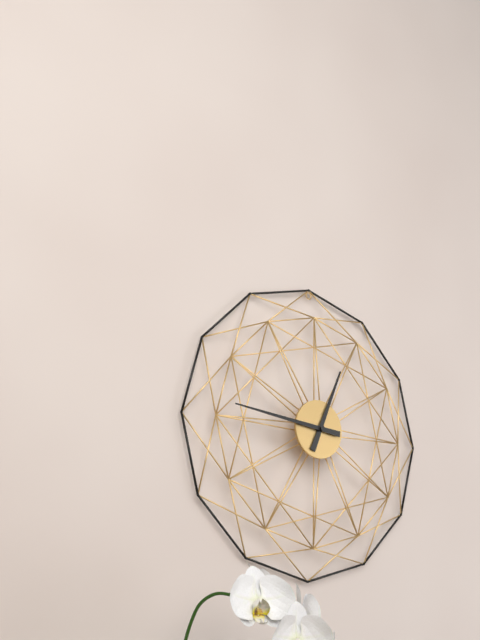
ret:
12:46
